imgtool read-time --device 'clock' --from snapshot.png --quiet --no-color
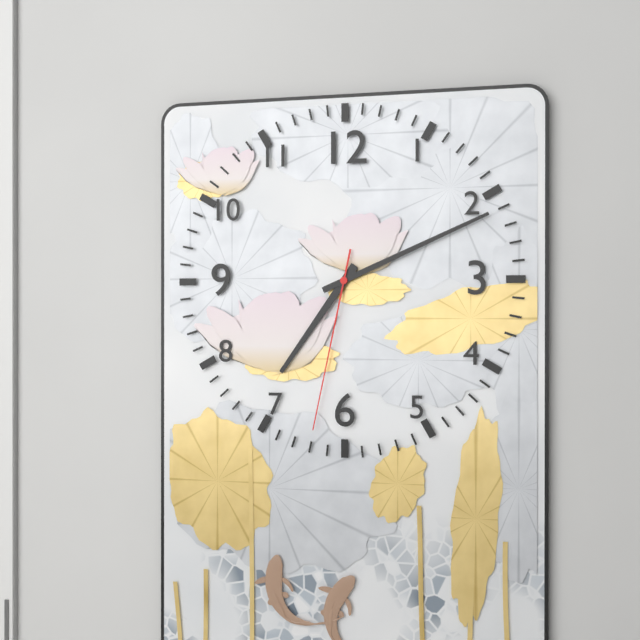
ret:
7:11:32
